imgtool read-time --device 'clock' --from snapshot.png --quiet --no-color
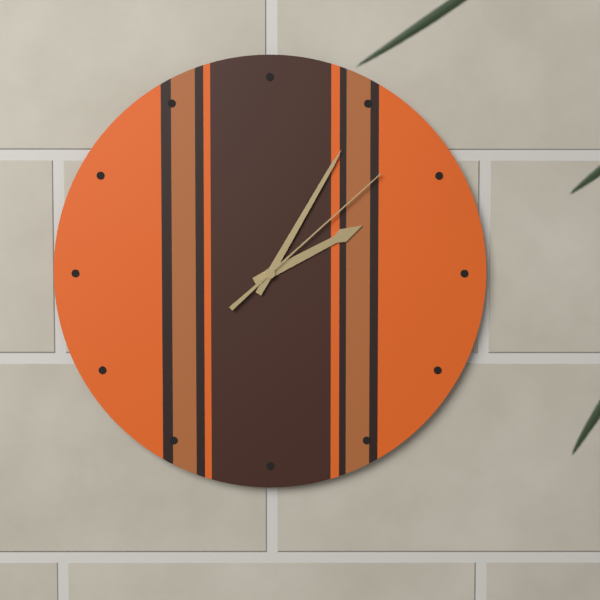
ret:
2:05:08
